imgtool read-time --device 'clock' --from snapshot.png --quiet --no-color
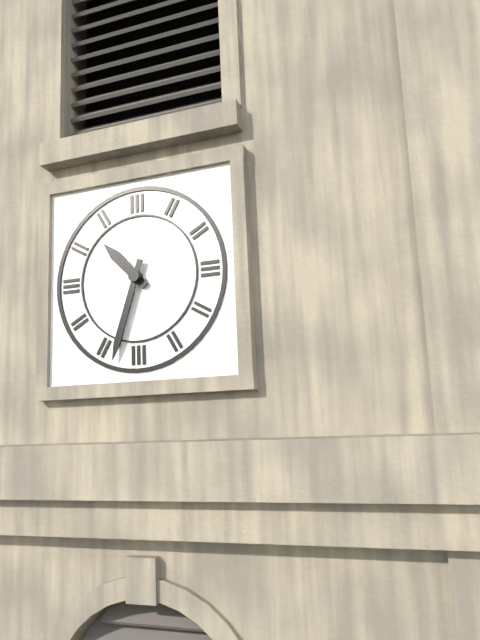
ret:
10:33
